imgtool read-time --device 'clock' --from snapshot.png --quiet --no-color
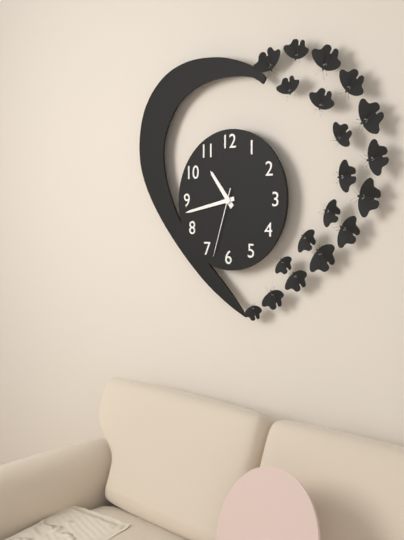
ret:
10:43:33
